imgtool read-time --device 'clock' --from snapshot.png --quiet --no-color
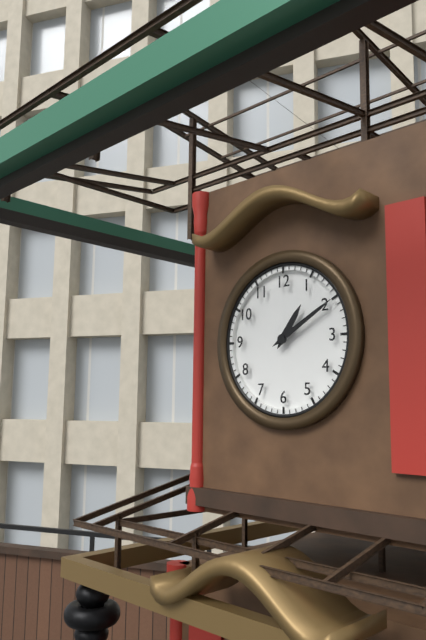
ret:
1:10
